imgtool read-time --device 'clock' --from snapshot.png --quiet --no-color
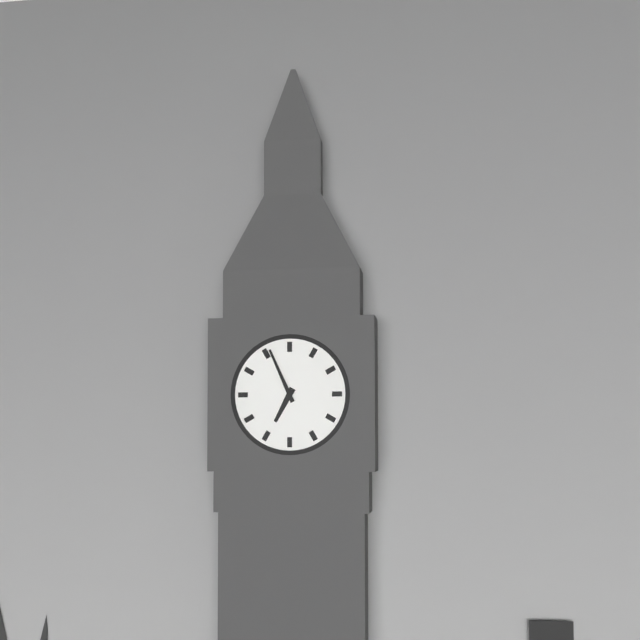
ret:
6:56
